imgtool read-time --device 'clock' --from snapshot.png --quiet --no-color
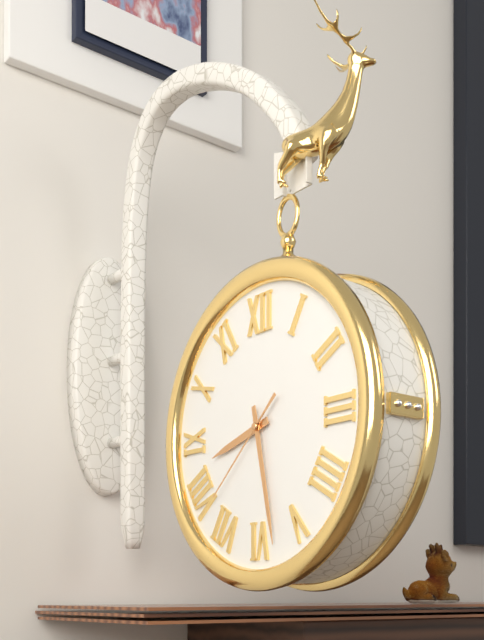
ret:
8:28:38
